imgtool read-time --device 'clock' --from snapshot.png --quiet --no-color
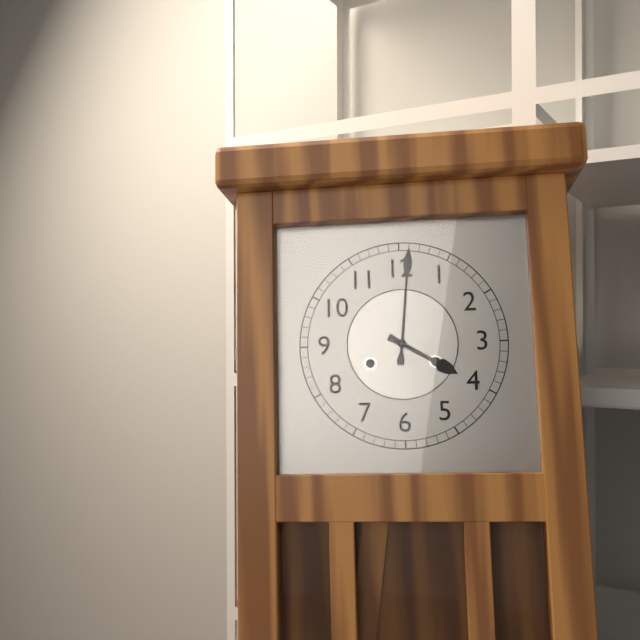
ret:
4:01
